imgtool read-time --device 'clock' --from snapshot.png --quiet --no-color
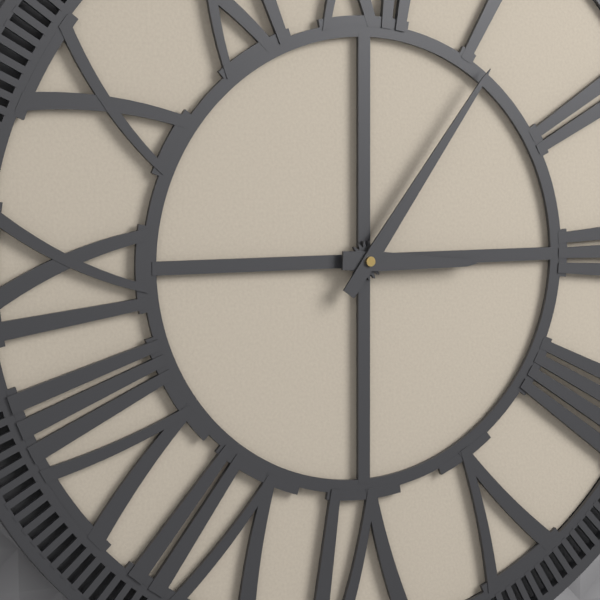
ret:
3:06
